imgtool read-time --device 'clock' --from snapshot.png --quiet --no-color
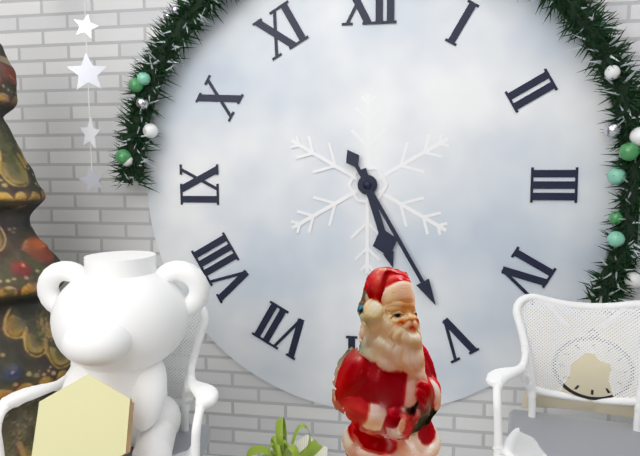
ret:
5:25
